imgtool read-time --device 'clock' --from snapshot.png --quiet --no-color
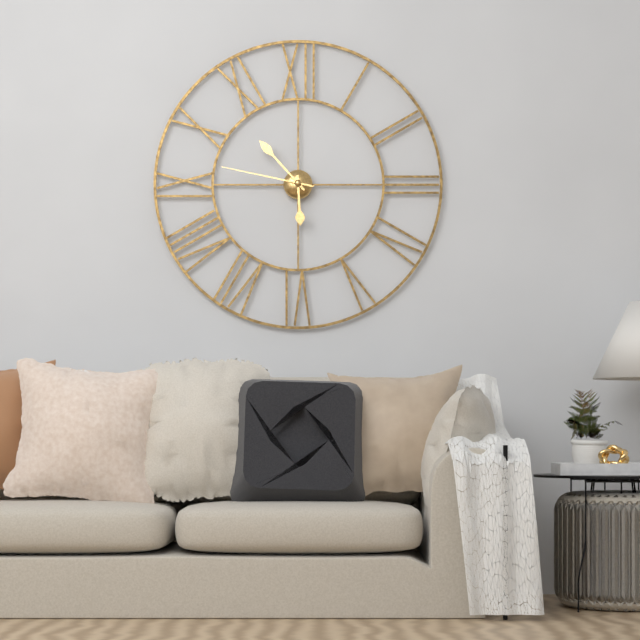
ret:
5:53:47
